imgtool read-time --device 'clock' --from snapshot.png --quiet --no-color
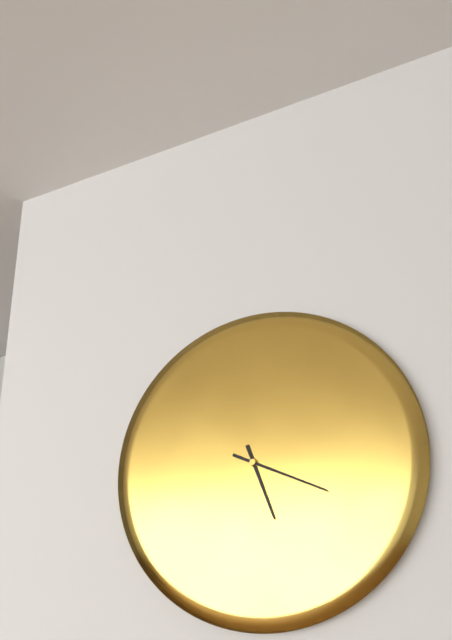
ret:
5:19
